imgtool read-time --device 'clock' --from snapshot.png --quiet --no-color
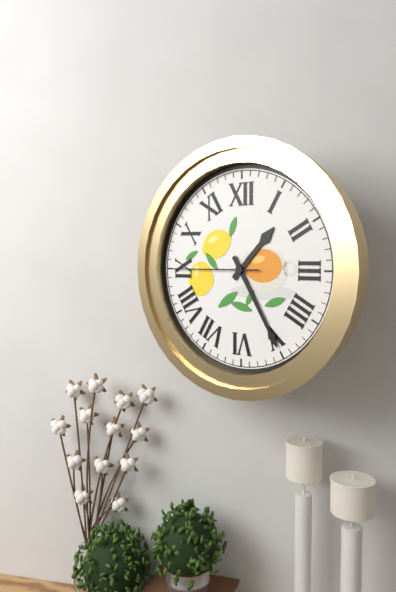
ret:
1:25:45
